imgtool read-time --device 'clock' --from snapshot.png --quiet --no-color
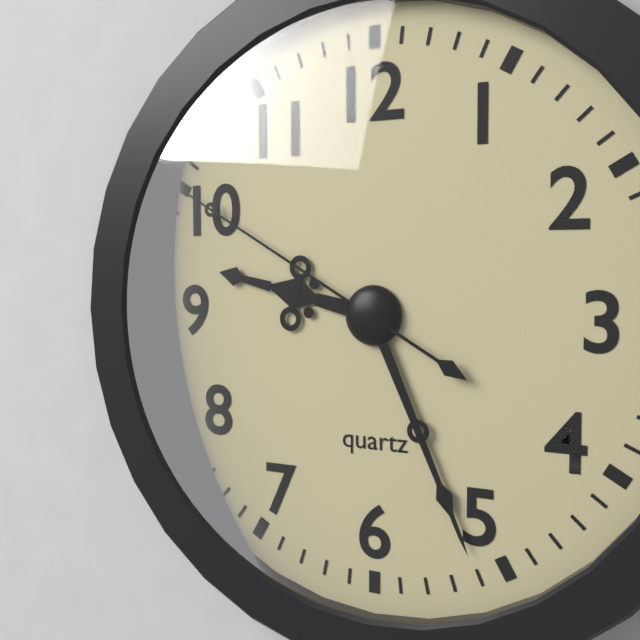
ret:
9:26:50
